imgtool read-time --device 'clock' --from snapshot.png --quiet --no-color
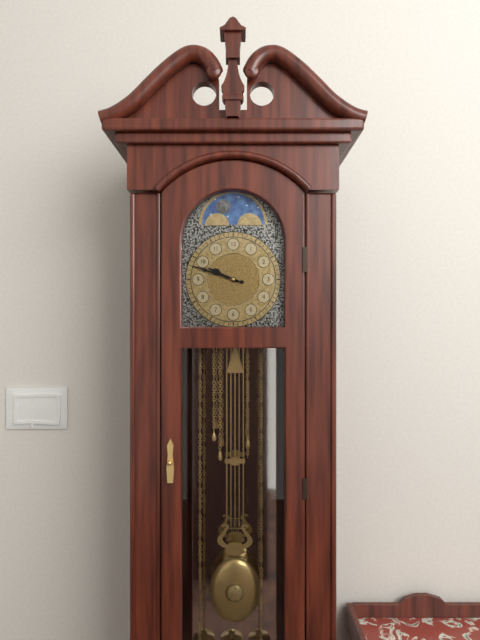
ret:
9:48
